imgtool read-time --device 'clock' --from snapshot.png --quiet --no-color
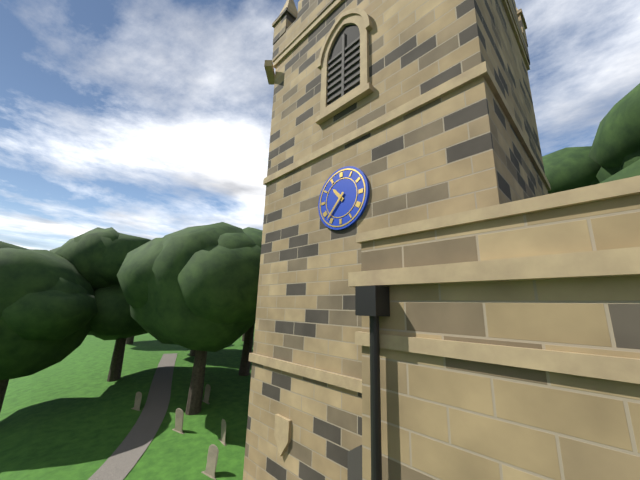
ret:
10:37
